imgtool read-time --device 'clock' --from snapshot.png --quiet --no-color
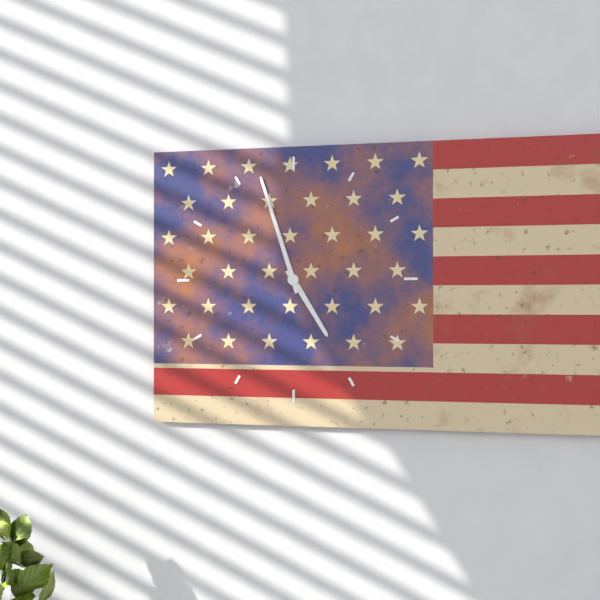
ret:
4:57
